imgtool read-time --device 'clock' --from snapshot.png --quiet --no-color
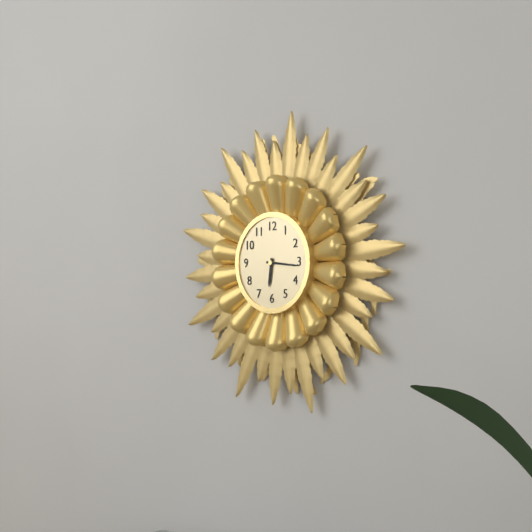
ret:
6:16
